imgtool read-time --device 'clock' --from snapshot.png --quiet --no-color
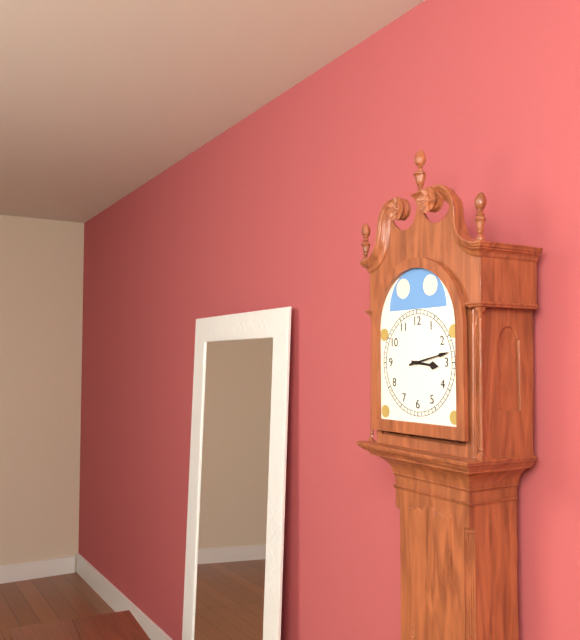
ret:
3:13
